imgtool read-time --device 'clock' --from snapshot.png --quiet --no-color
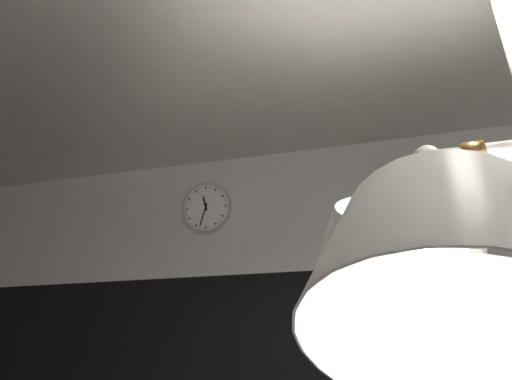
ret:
11:33
